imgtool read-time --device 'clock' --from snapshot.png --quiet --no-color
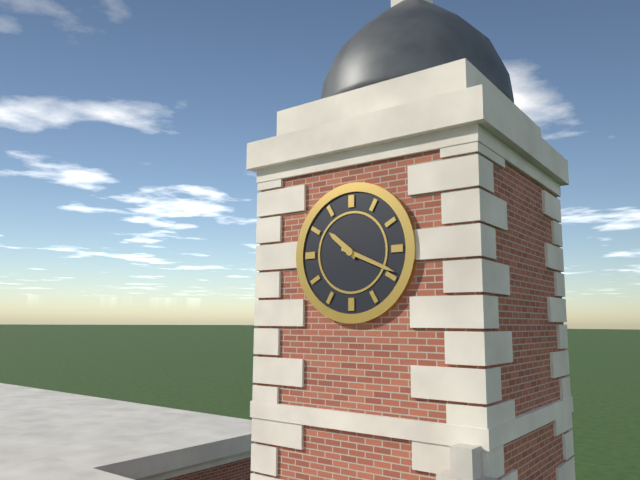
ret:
10:19
